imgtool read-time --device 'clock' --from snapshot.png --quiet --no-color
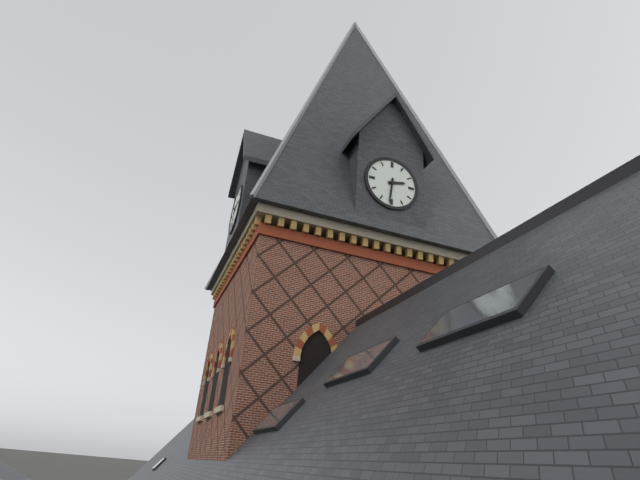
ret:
2:31
